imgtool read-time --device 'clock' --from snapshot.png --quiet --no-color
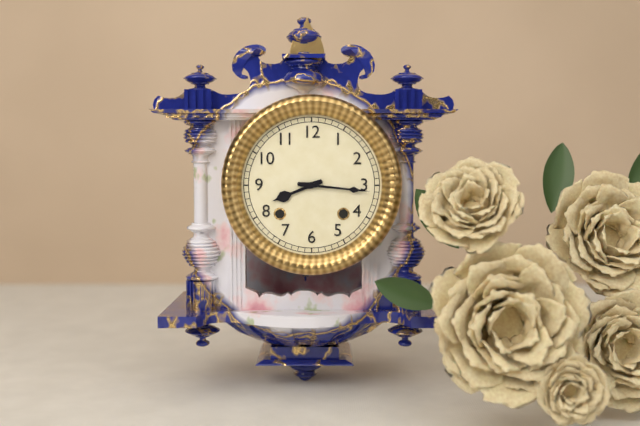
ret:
8:16
